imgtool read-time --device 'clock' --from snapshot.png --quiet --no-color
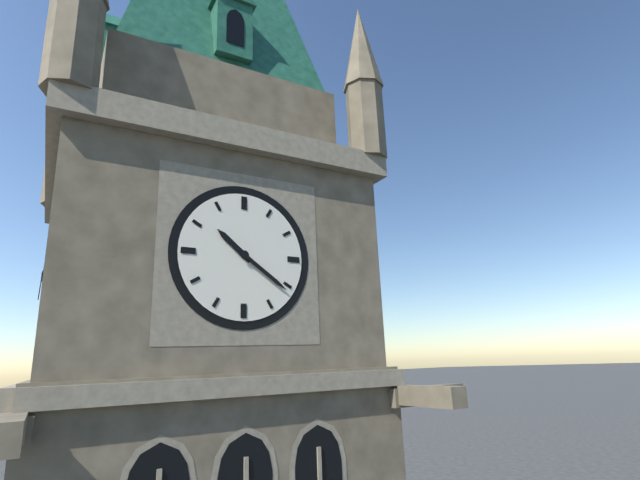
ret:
10:21
